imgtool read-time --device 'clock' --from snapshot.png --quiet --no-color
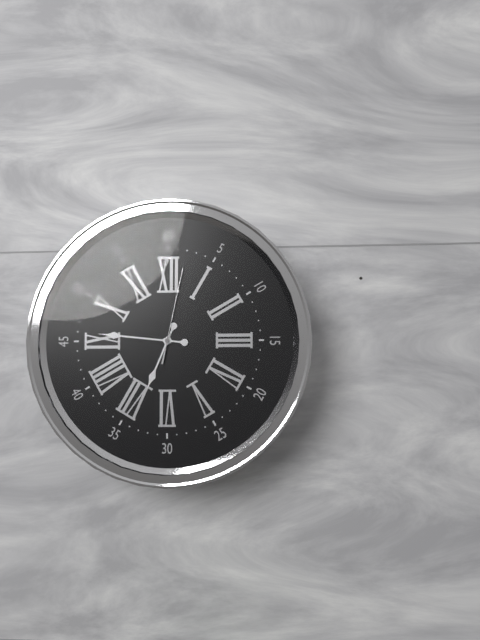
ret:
6:46:02
